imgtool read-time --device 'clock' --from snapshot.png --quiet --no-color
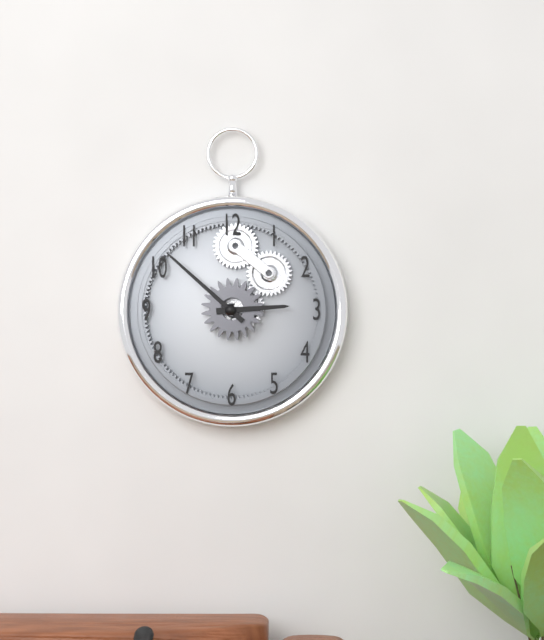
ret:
2:52
